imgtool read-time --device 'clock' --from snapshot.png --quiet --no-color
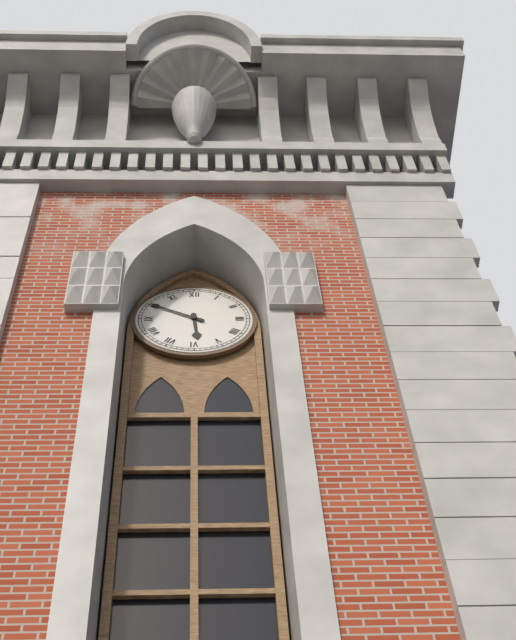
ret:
5:50
